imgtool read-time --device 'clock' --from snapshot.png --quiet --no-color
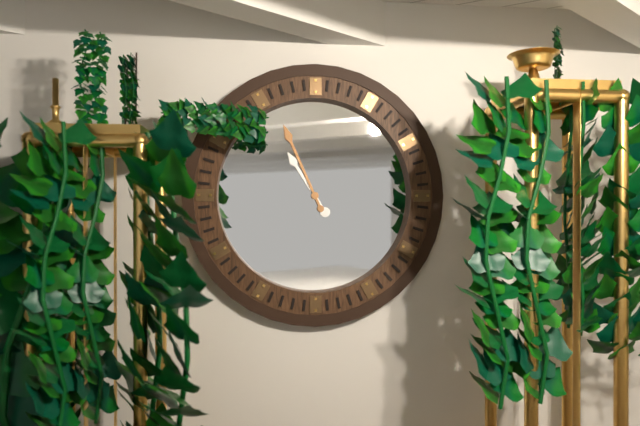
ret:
10:56
